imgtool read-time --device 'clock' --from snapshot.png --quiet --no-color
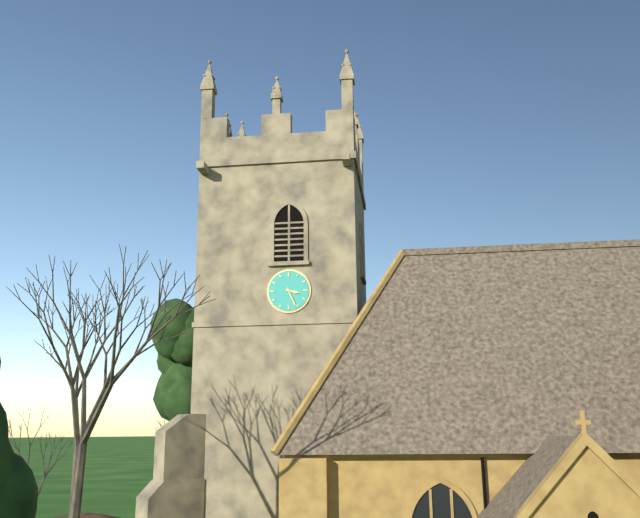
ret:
3:26
